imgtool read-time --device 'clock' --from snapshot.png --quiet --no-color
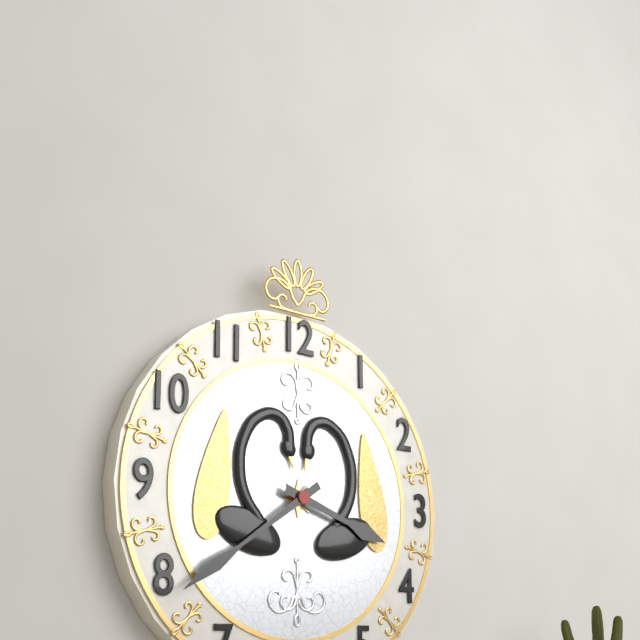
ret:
3:39
